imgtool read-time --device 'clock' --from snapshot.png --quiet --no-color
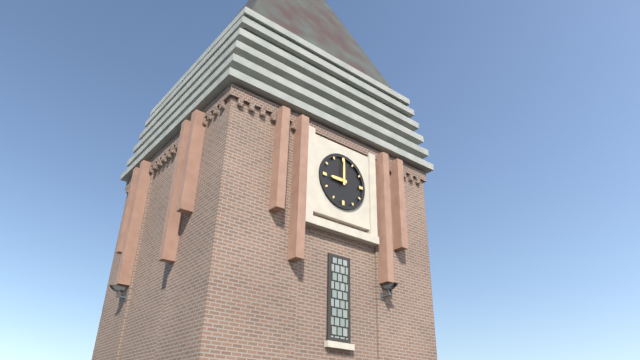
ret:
9:00
